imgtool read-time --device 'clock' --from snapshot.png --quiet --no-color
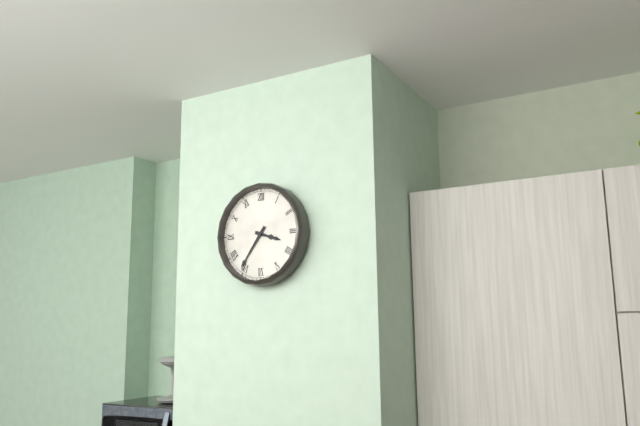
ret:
3:36
